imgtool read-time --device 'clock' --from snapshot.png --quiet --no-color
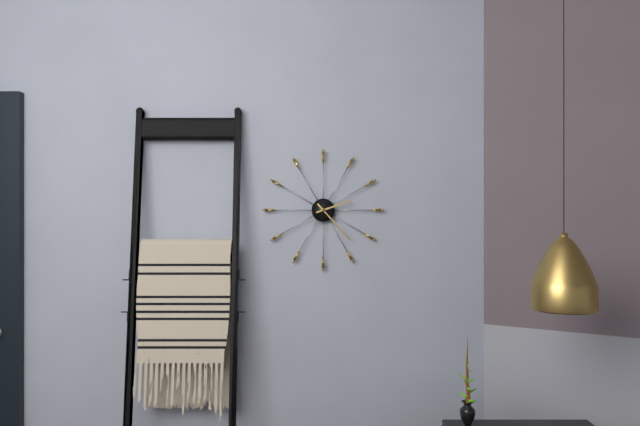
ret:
2:23
